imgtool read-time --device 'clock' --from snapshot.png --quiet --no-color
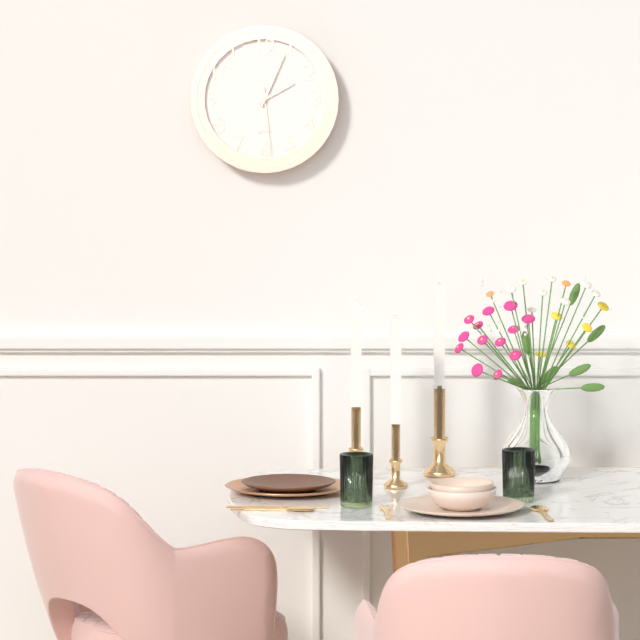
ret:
2:04:29
